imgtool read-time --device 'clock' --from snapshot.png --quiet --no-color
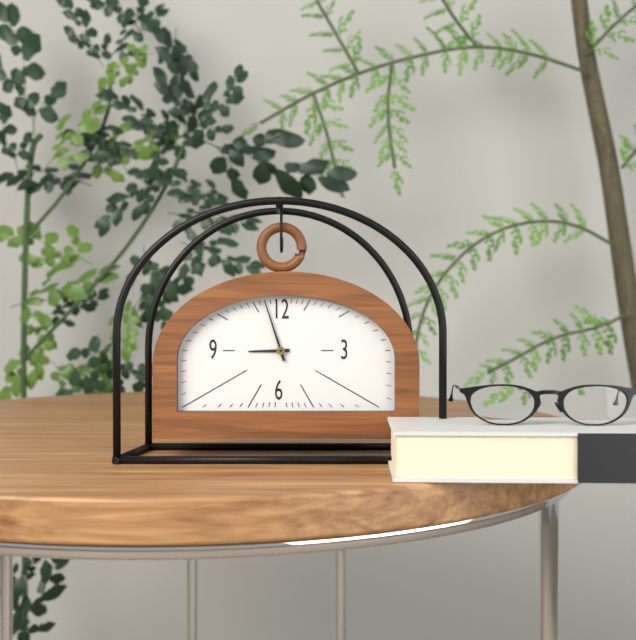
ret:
8:57
